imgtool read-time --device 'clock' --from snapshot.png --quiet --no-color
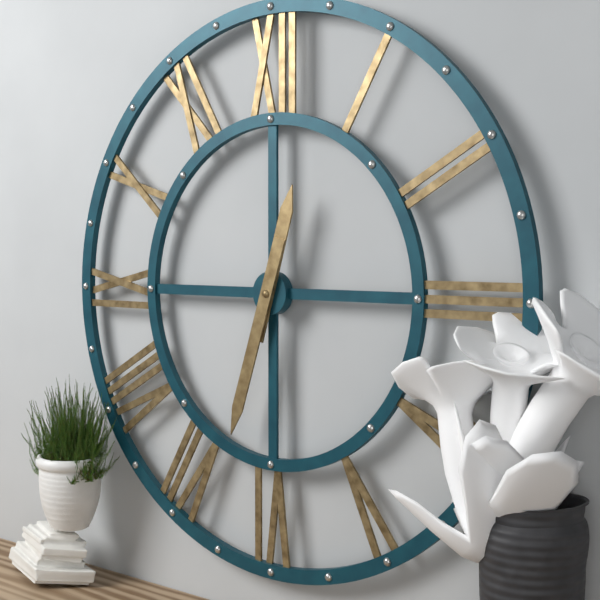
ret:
12:33
